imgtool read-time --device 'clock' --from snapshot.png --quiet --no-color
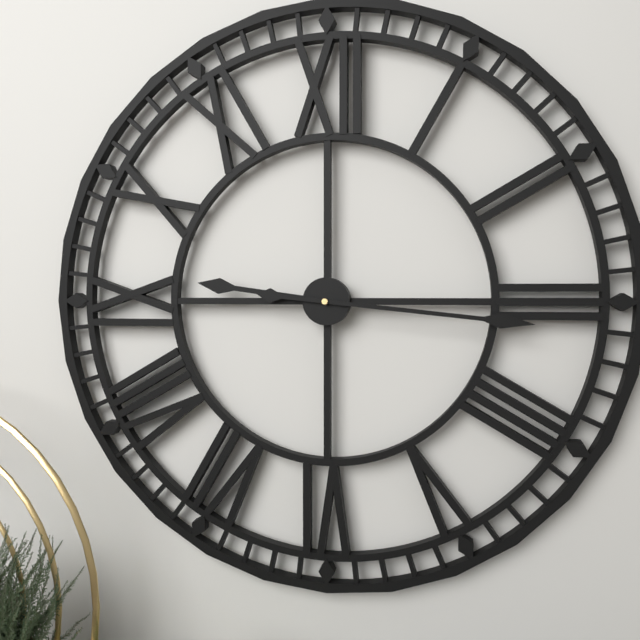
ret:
9:16
